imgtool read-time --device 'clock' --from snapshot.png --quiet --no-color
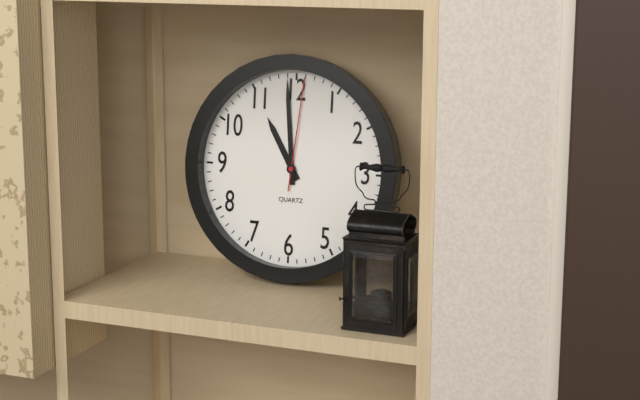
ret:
10:59:01
